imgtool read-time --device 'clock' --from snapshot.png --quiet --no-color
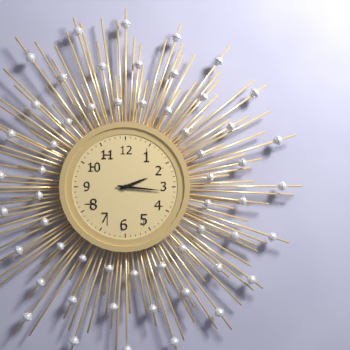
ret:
2:16
